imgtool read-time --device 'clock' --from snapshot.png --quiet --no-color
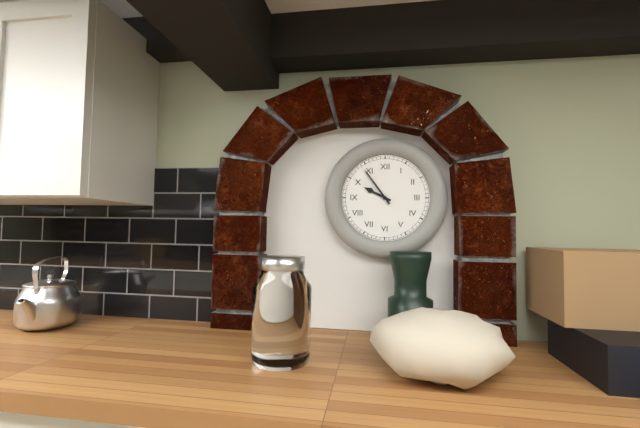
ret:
9:54
